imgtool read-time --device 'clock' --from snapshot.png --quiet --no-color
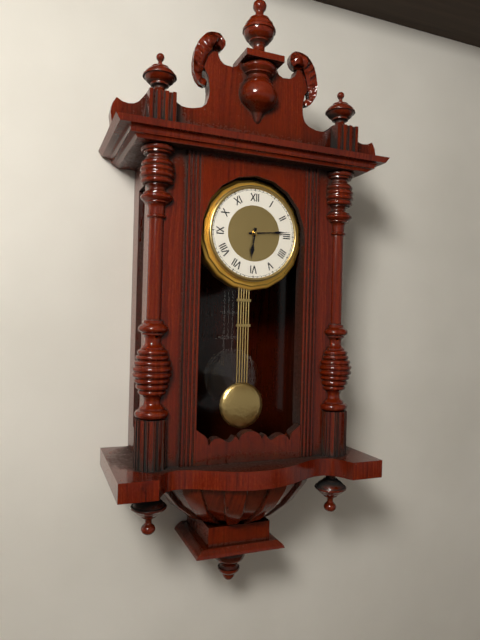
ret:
6:14
